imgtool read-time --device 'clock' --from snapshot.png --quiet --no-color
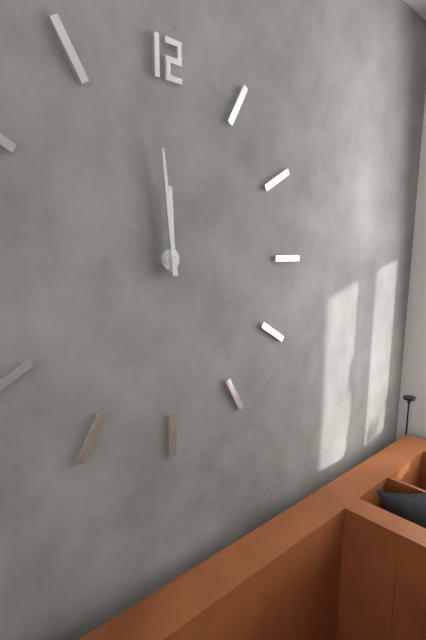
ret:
11:59
